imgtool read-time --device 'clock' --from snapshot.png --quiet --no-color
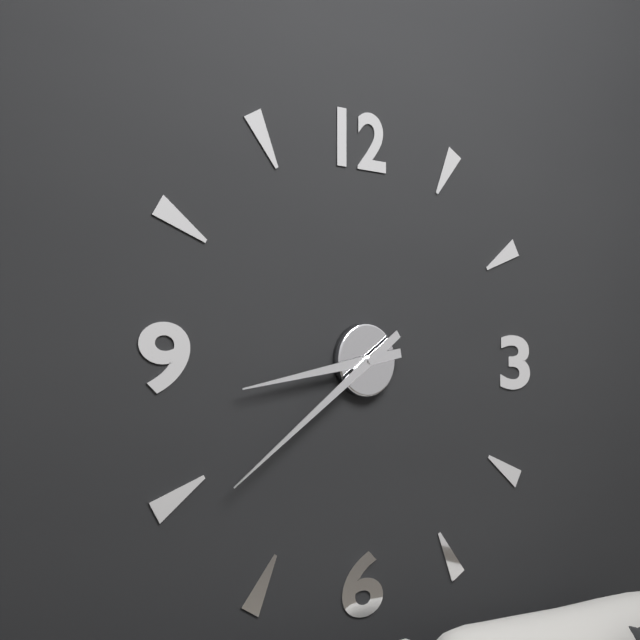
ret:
8:39
